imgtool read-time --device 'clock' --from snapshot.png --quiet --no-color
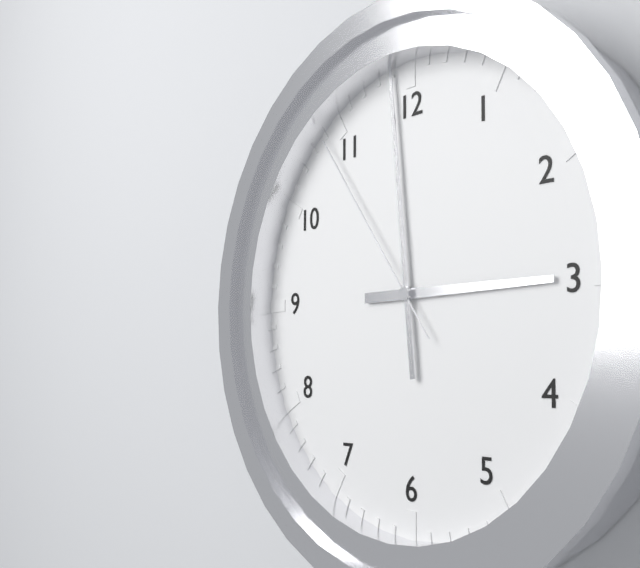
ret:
2:59:54
